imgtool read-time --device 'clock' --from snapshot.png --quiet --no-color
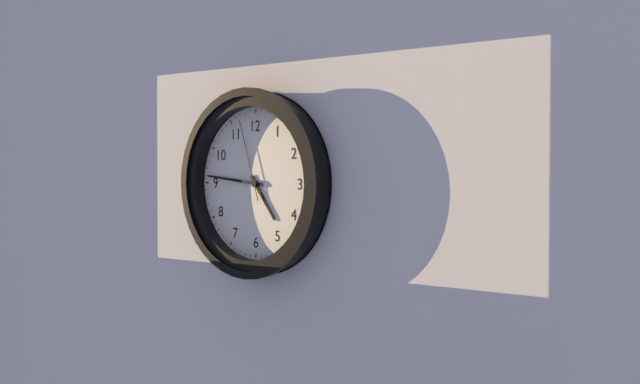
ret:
4:46:57
